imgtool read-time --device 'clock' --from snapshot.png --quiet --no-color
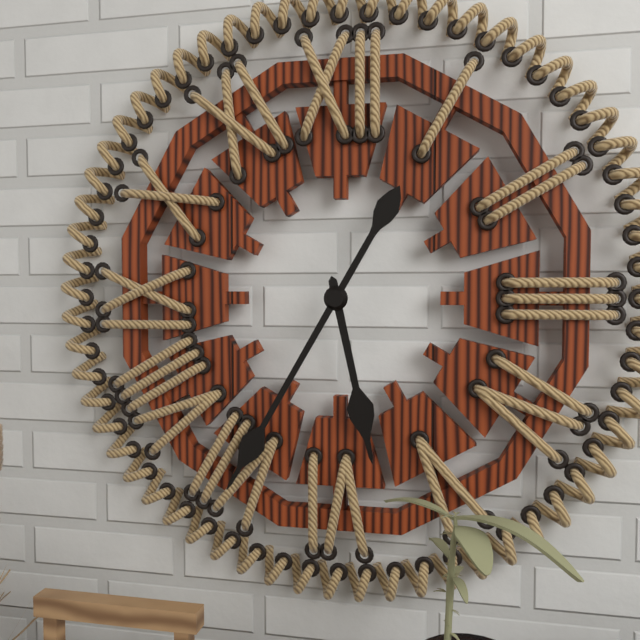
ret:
5:35
